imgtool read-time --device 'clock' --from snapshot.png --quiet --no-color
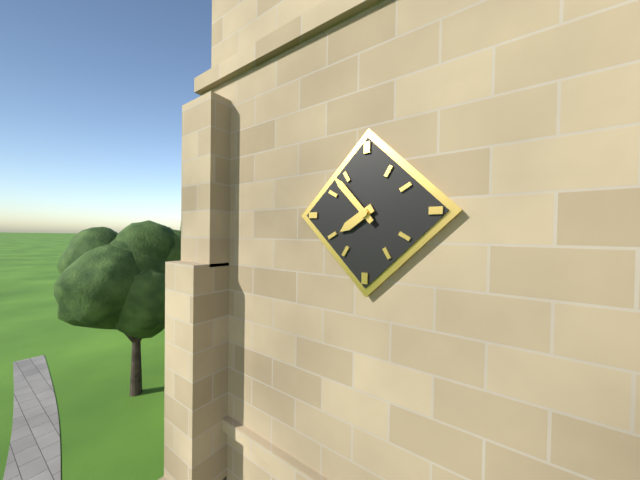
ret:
7:53
